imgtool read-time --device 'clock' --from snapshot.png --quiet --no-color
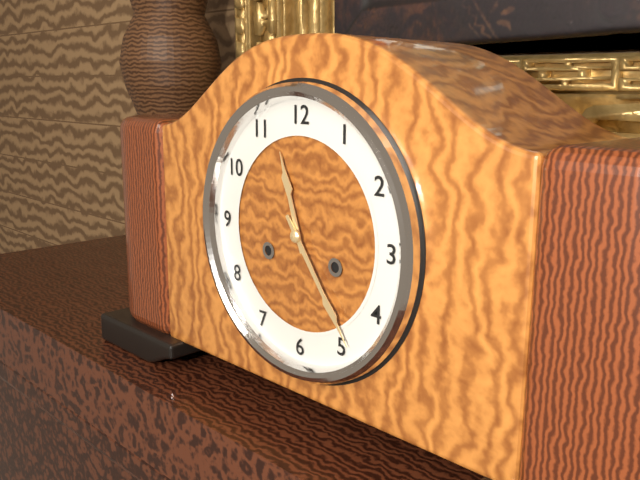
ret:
11:24
